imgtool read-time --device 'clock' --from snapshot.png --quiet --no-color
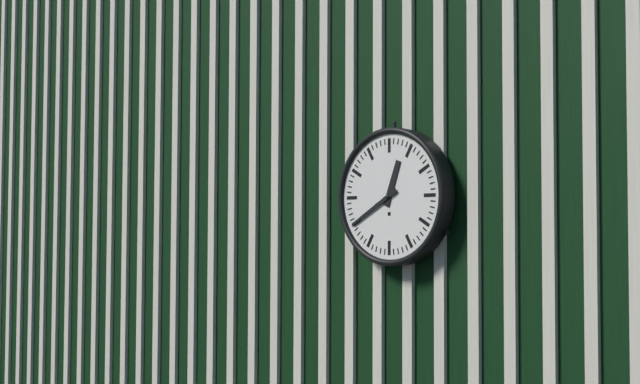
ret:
12:40
